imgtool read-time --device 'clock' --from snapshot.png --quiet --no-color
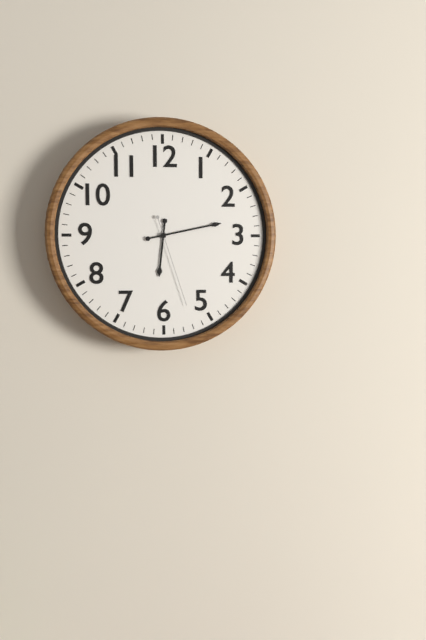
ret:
6:13:27
